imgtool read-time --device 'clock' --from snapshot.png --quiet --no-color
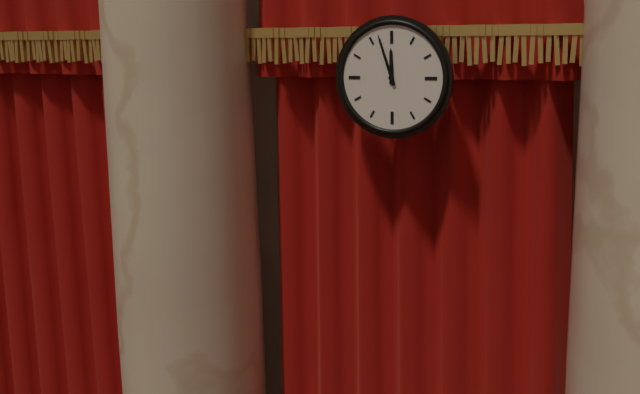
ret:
11:57
